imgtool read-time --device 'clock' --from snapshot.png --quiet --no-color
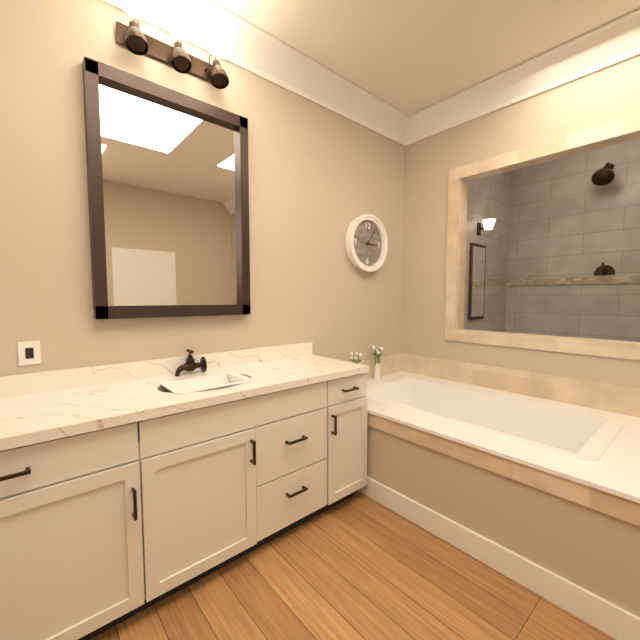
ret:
3:06
